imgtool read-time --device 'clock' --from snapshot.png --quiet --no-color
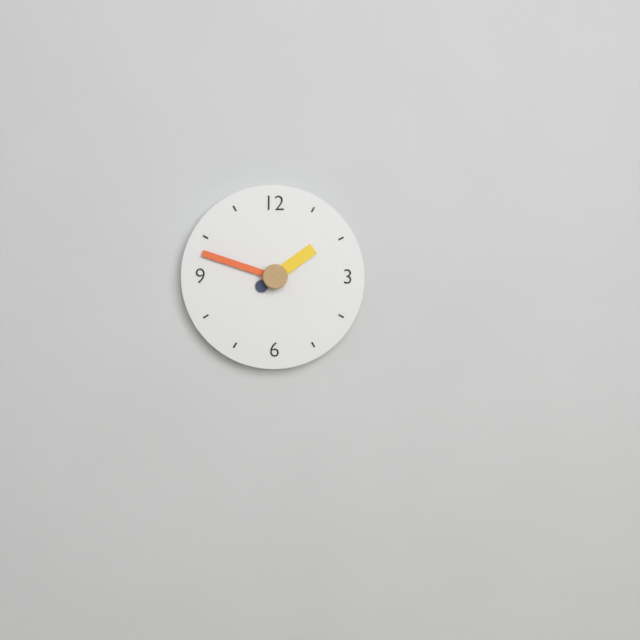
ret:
1:48
